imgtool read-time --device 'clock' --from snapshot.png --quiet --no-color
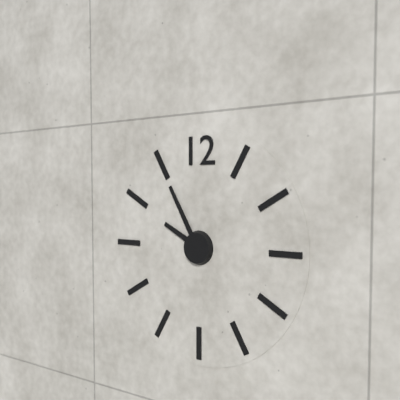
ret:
9:55
